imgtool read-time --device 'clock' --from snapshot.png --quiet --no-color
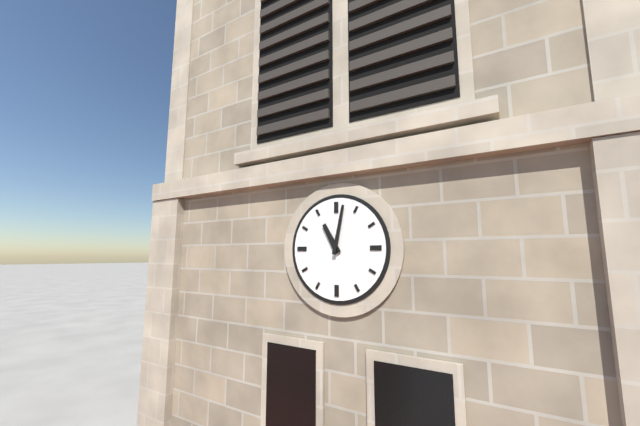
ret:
11:02
